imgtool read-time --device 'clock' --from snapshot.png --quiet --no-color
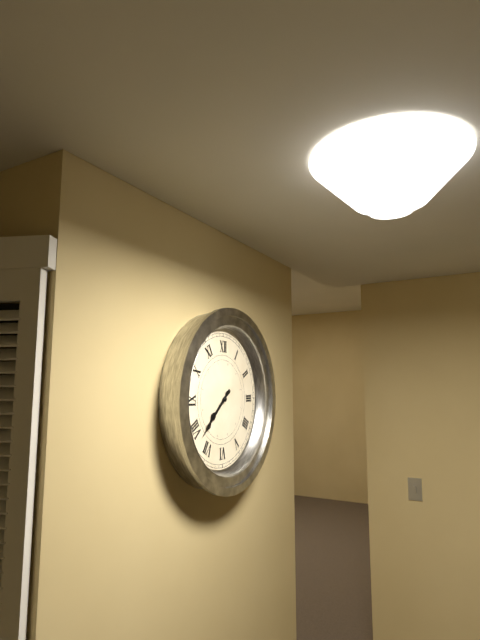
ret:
7:38
